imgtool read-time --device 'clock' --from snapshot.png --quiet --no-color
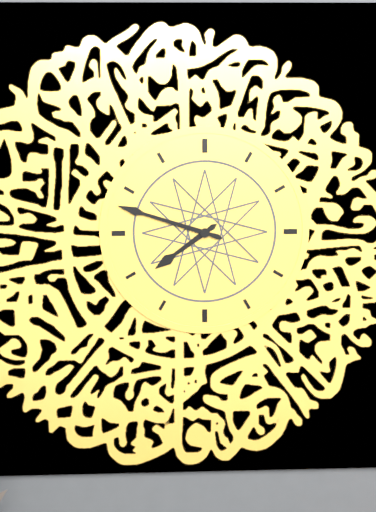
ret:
7:48
